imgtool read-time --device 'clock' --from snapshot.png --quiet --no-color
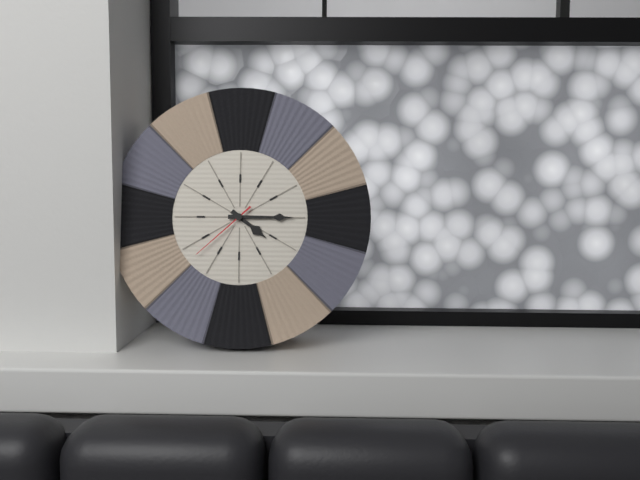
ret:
4:15:38
